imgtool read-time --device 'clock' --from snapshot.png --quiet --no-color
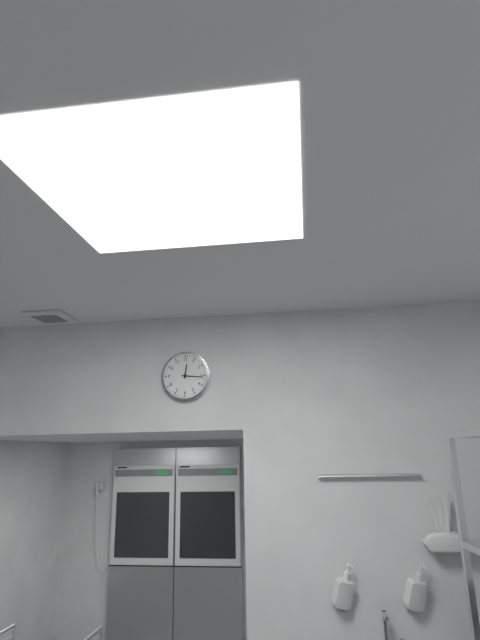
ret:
12:16
